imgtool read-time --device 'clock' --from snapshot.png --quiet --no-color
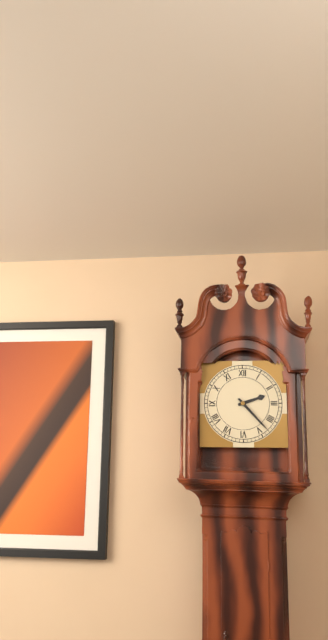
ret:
2:23
